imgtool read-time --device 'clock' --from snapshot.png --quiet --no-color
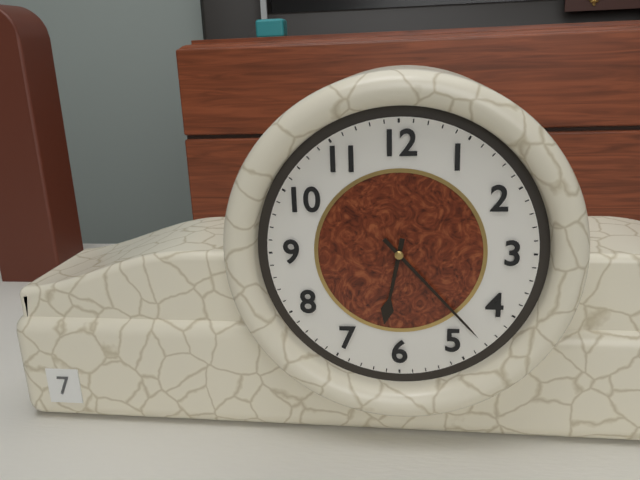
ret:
6:23
